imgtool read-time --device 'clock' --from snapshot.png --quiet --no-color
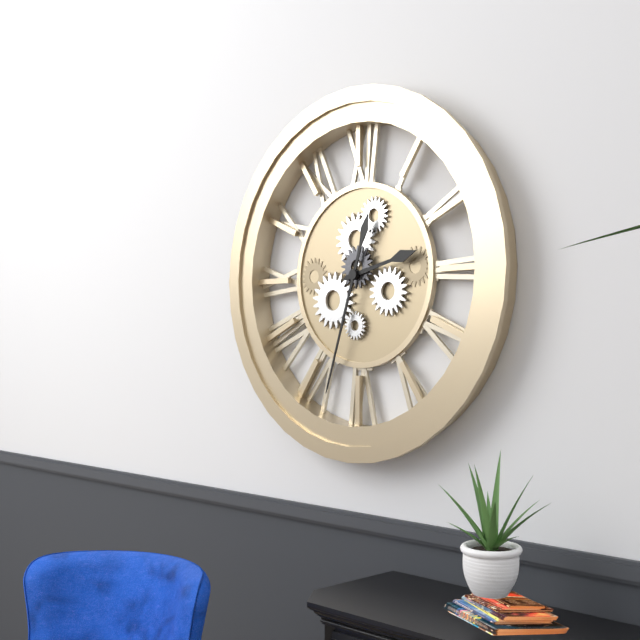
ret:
2:33
